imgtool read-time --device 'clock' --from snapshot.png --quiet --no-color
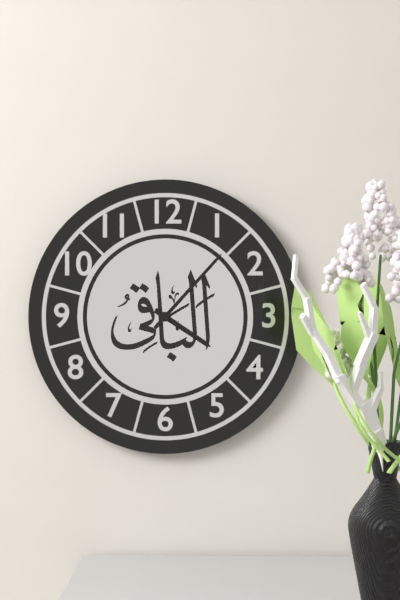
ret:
4:07
